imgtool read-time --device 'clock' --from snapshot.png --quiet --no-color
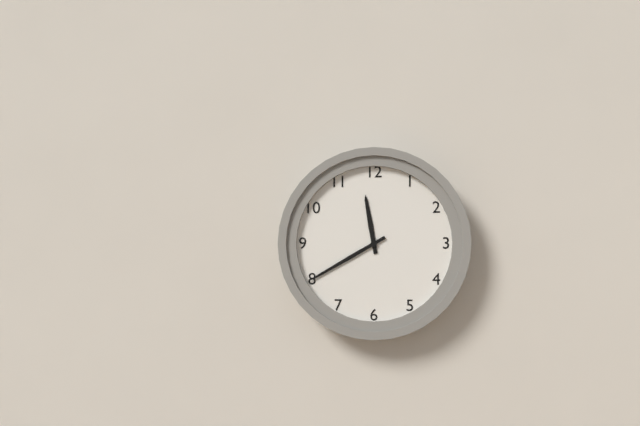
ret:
11:40
